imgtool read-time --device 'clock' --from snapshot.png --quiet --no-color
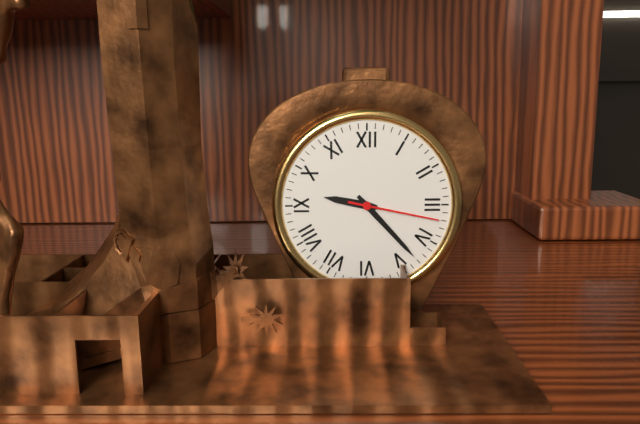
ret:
9:23:17
